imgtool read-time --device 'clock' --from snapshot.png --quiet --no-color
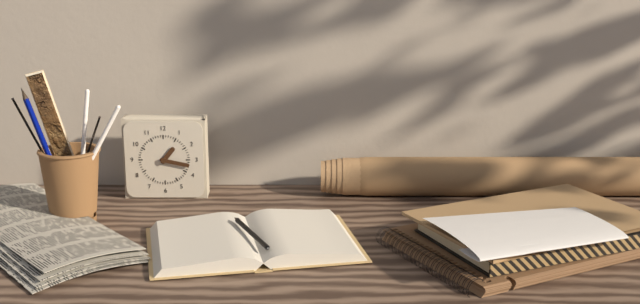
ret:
1:17
